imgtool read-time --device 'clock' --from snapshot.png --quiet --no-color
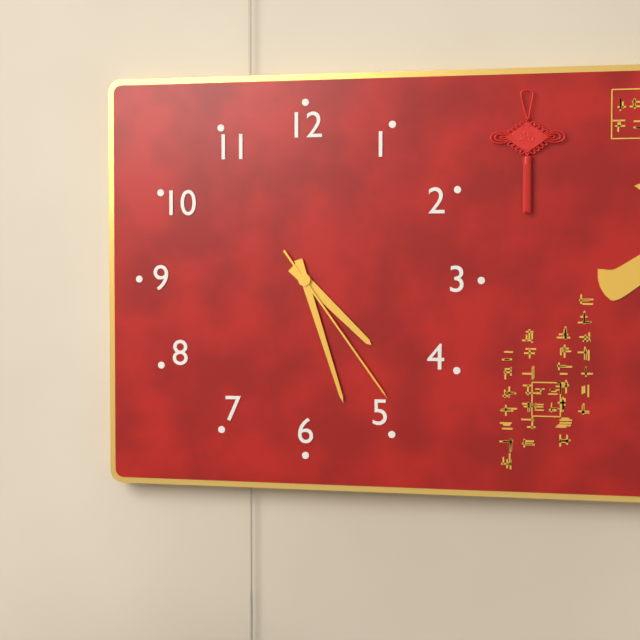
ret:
4:27:24
